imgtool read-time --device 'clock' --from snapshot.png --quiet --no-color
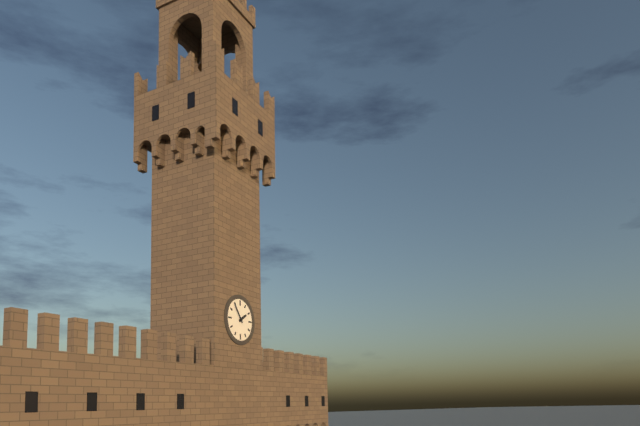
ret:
1:54
